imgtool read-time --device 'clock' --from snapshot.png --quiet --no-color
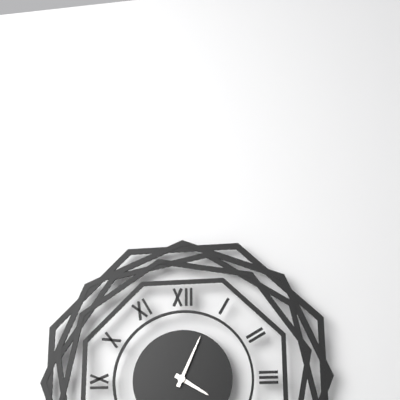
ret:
4:04
